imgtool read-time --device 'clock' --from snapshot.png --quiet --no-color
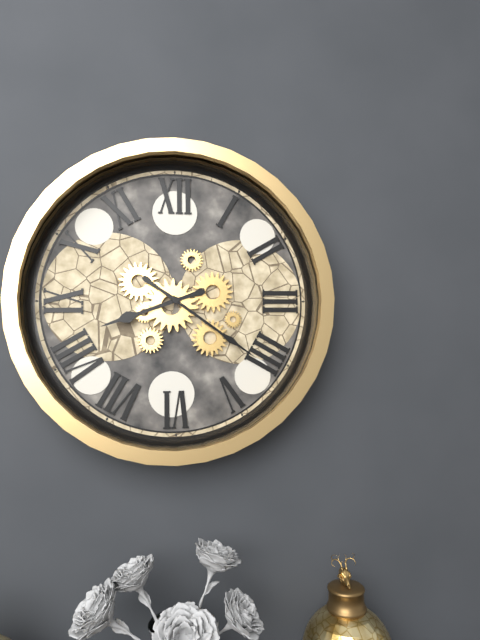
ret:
8:21
